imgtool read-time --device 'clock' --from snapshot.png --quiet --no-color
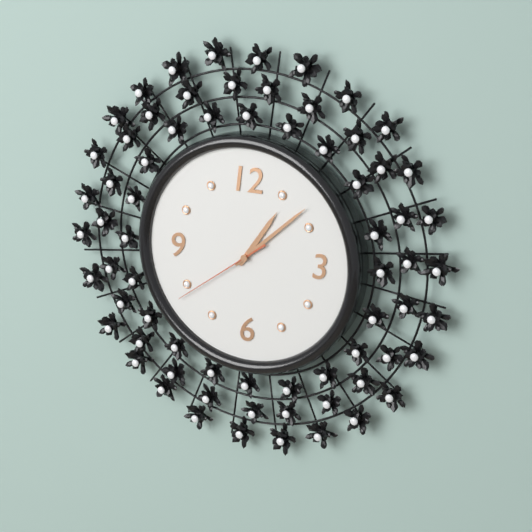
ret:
1:08:39
